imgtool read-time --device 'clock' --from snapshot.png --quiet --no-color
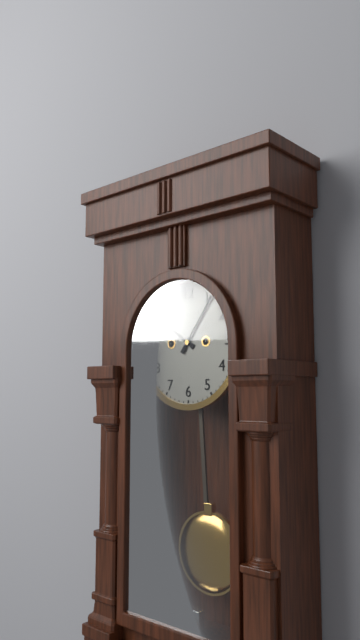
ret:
10:06
